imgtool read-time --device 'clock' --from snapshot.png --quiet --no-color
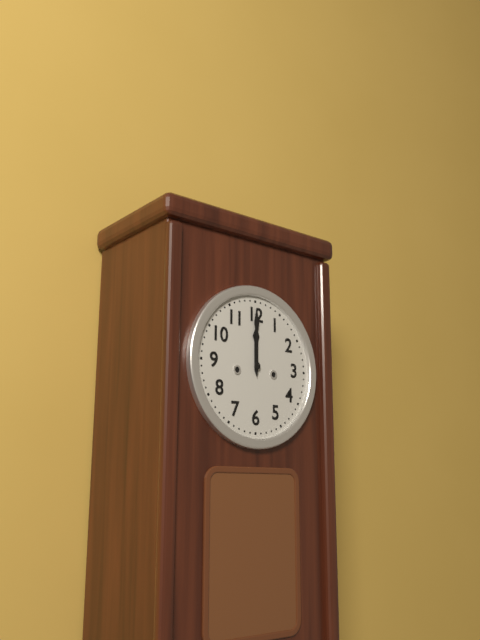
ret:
12:00
